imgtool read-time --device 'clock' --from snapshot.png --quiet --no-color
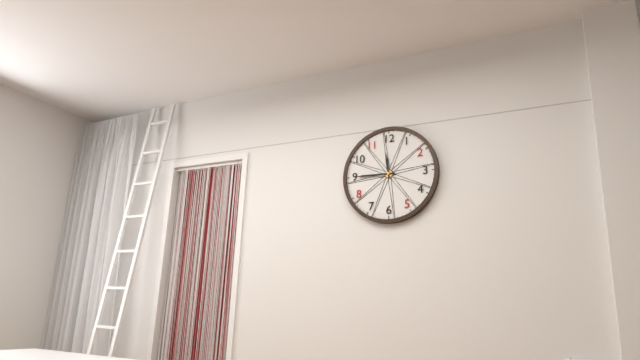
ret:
11:45
